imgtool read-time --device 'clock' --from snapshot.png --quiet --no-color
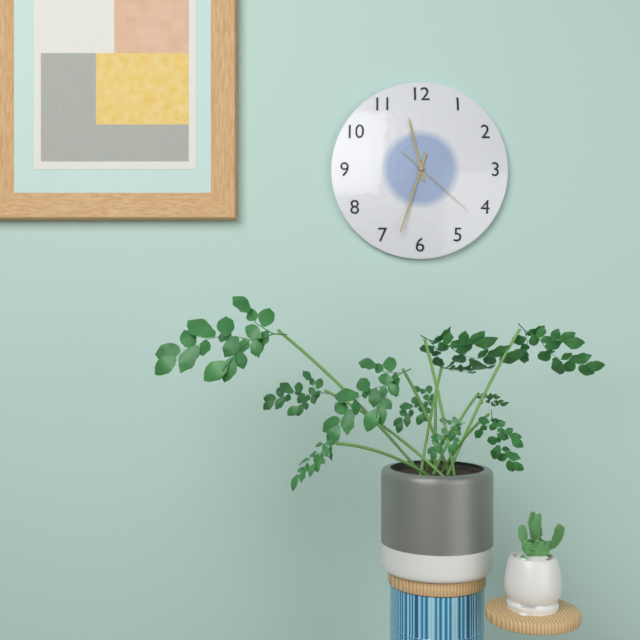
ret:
11:33:22
